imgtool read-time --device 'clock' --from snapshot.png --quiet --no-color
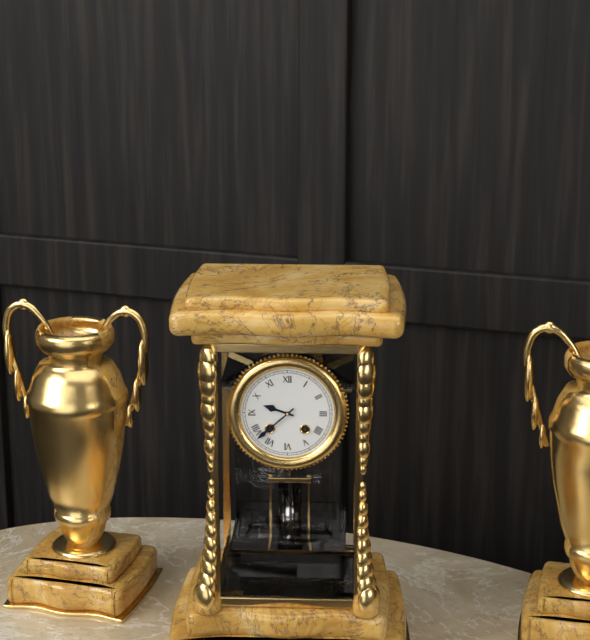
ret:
9:38
